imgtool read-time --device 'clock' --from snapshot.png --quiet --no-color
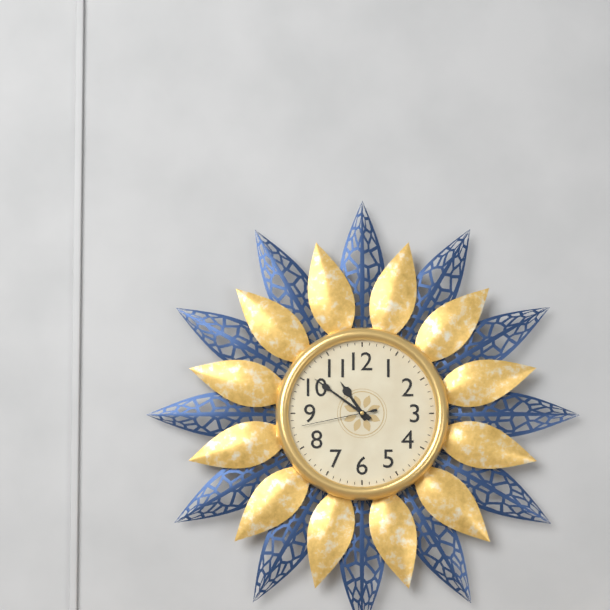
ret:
10:51:43
